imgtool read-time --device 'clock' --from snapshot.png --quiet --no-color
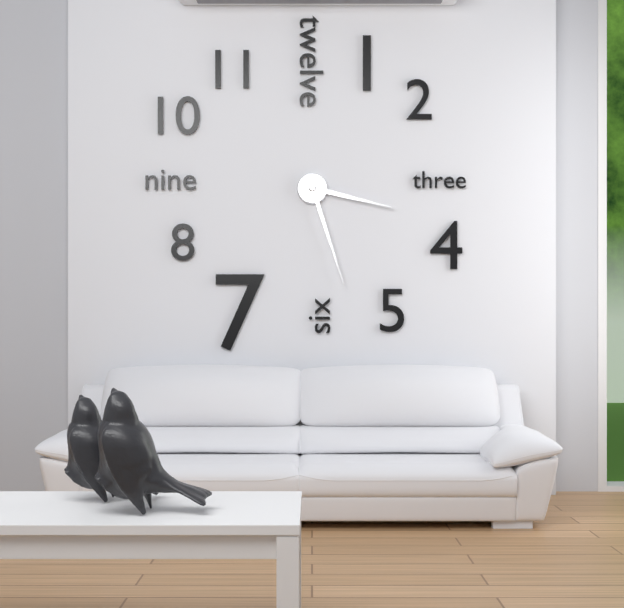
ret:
3:27
